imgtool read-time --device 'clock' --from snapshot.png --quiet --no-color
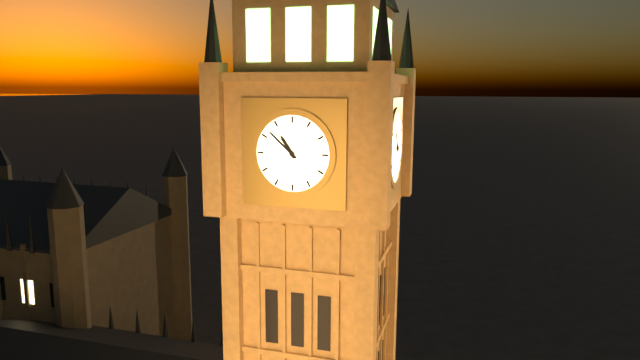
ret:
10:52
